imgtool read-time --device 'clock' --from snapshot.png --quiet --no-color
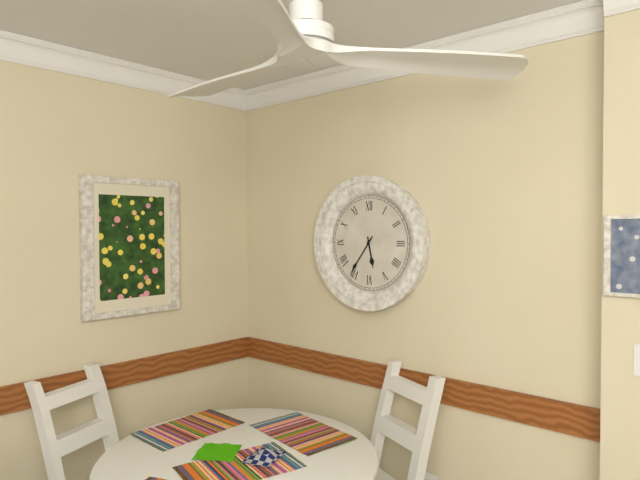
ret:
5:36
